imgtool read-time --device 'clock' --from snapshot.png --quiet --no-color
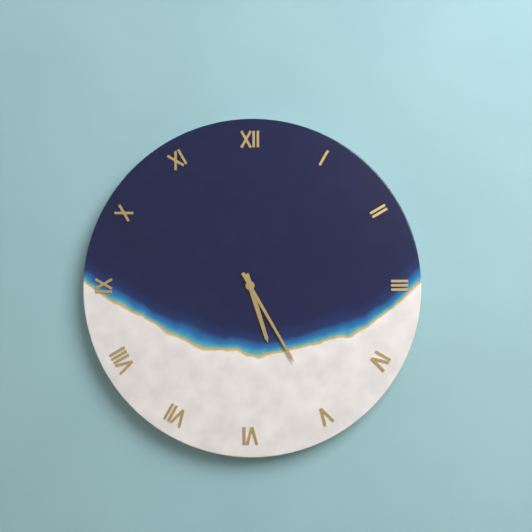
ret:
5:25
